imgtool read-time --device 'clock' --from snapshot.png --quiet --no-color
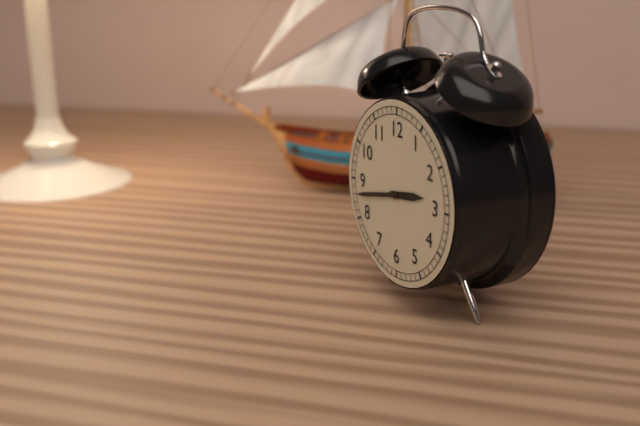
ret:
2:43
